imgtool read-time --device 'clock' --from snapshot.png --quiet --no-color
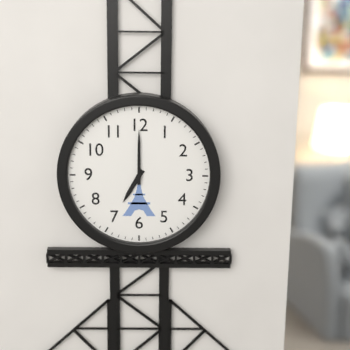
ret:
7:00
